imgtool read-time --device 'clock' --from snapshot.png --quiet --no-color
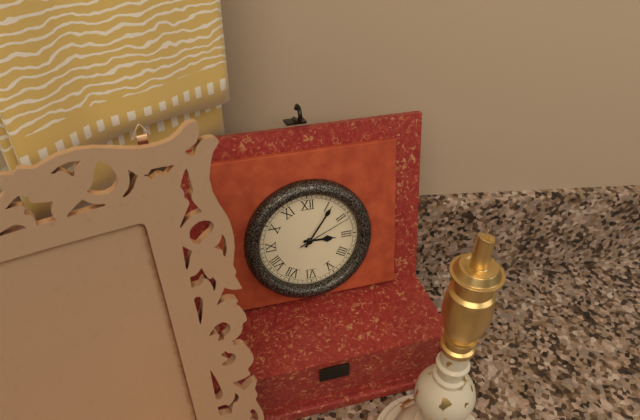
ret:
3:06:11
